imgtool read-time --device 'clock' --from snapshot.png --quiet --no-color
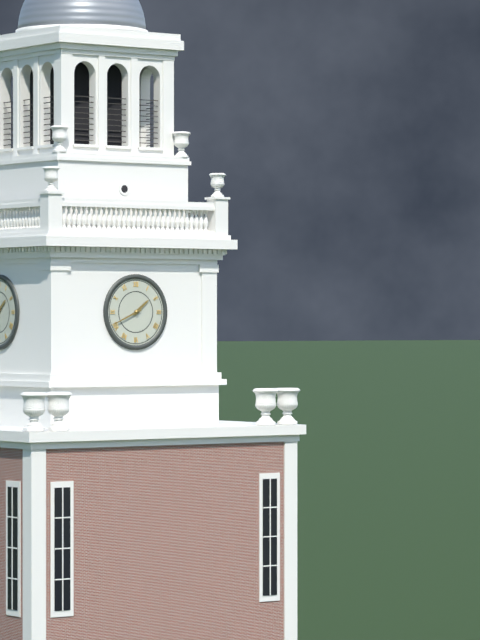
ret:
1:41
